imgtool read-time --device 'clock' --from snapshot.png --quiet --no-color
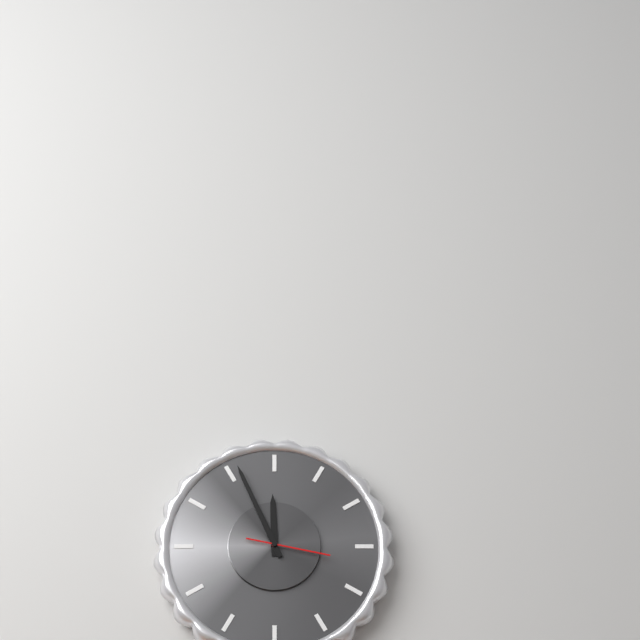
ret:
11:56:17
